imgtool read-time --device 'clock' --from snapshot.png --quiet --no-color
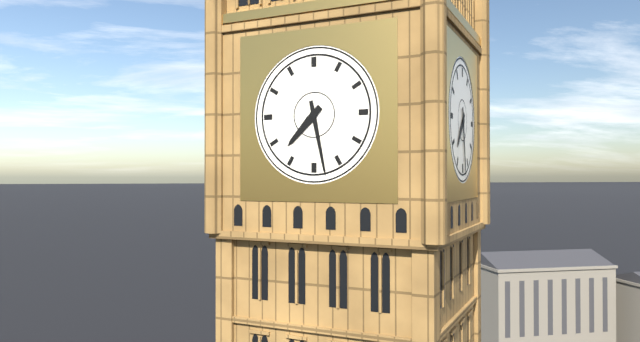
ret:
7:28
